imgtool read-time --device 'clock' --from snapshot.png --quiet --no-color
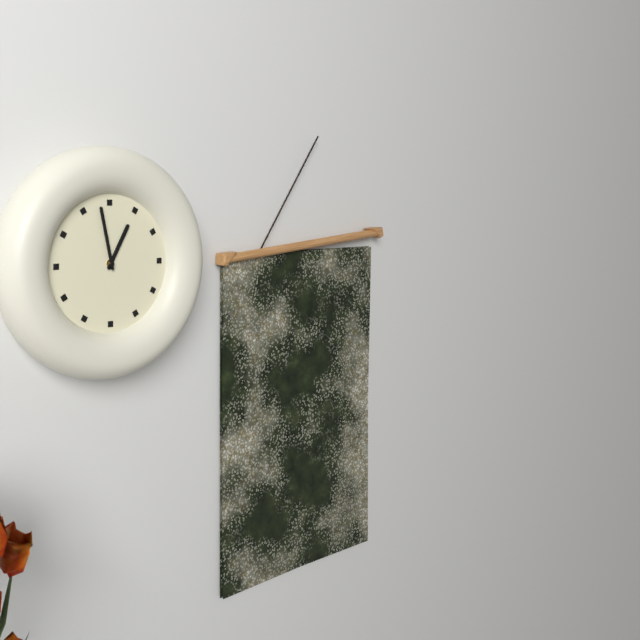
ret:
12:58
